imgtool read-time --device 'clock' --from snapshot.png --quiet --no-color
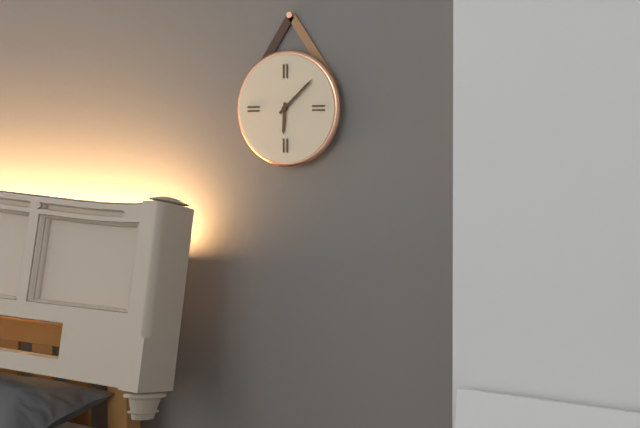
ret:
6:08
